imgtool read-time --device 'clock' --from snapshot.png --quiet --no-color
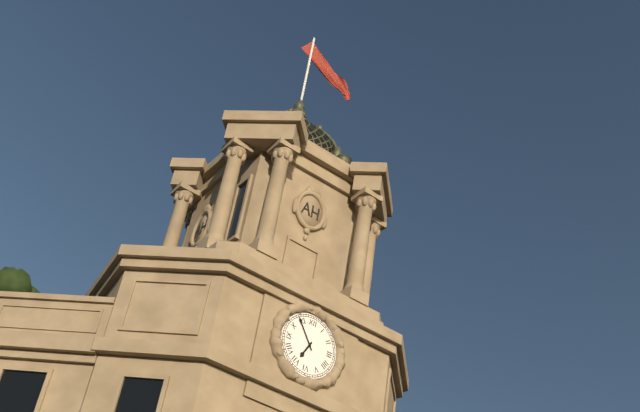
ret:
6:54
